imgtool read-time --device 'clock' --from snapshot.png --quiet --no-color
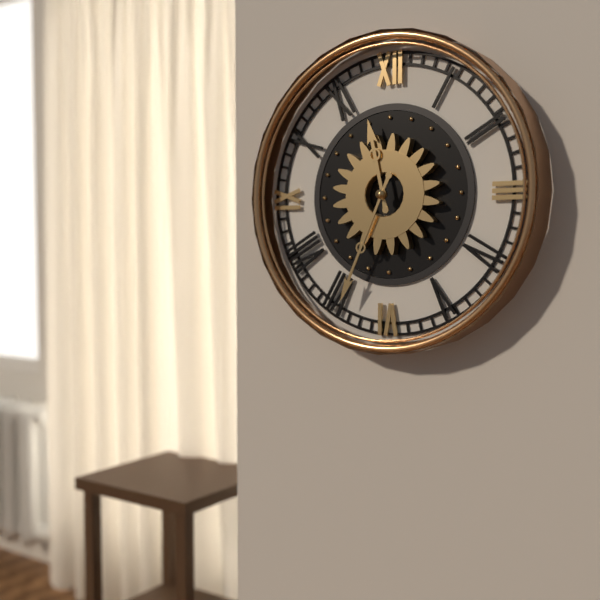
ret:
11:34
